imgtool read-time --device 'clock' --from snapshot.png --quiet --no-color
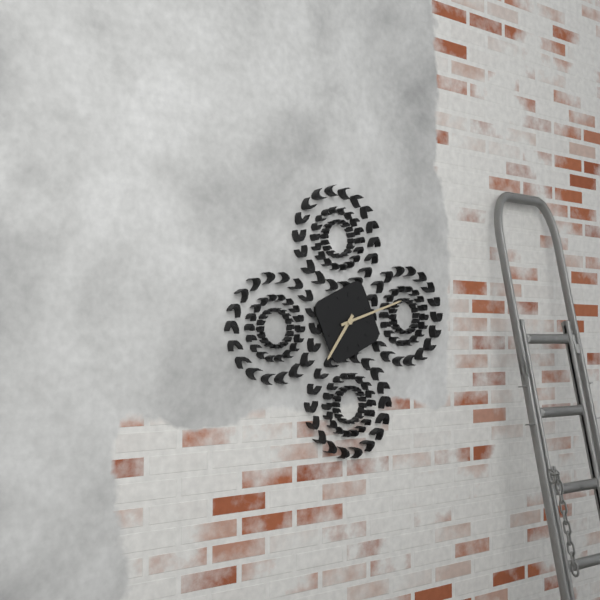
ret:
7:12
